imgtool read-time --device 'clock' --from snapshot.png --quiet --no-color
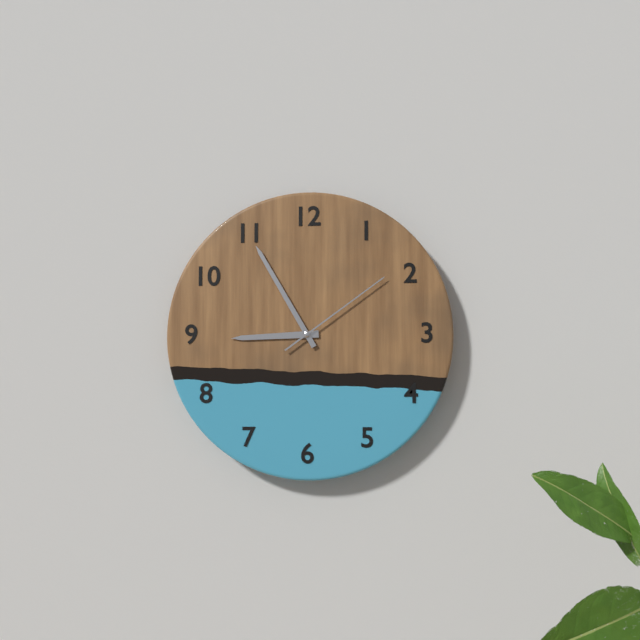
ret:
8:55:09
